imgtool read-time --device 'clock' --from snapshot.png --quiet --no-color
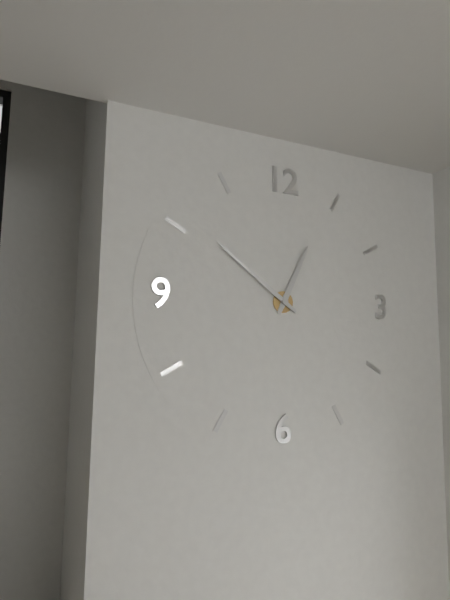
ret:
12:51
